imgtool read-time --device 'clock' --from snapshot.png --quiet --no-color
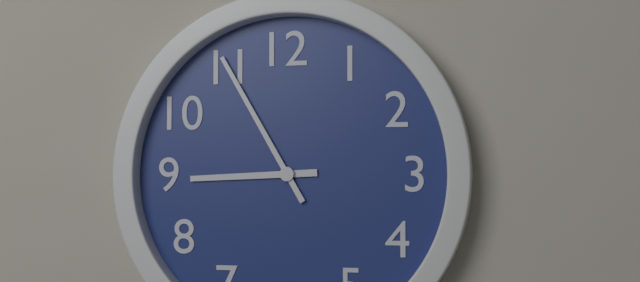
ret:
8:55
